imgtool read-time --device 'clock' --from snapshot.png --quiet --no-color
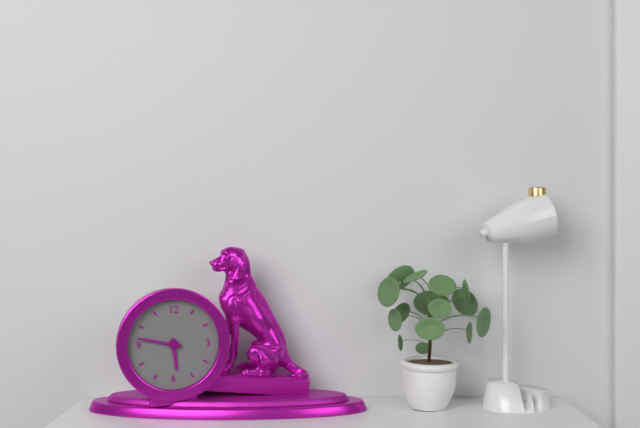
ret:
5:47
